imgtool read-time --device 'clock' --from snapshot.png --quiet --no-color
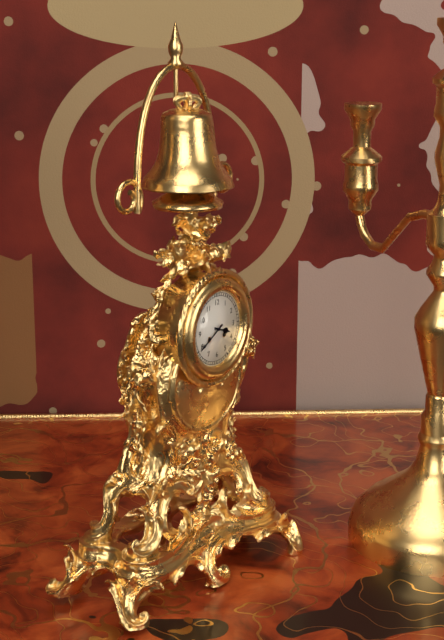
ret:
3:40
